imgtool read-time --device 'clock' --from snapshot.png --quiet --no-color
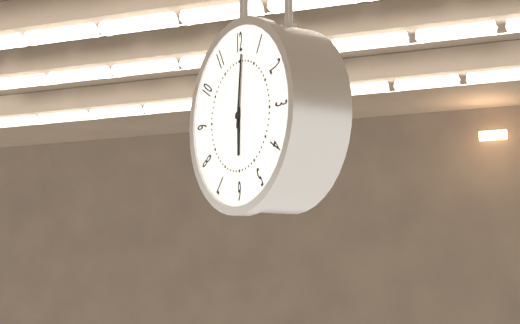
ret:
6:01
